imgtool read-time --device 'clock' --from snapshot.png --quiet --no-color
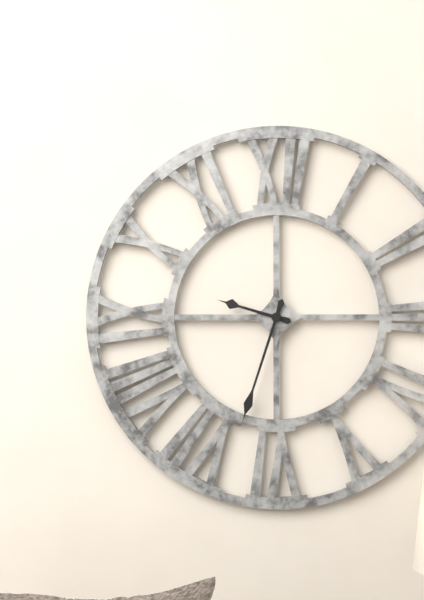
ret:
9:33
